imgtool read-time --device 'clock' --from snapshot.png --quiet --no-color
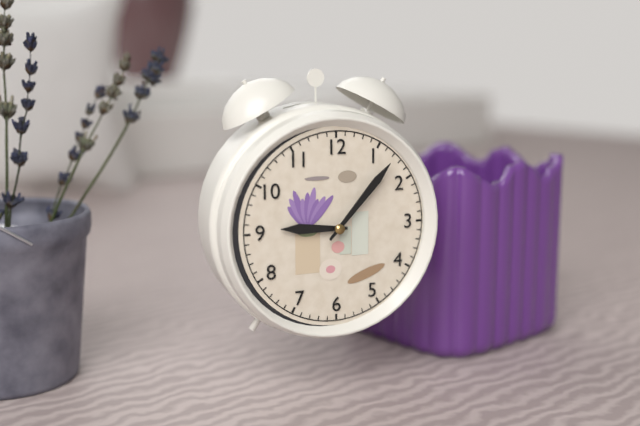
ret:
9:07
